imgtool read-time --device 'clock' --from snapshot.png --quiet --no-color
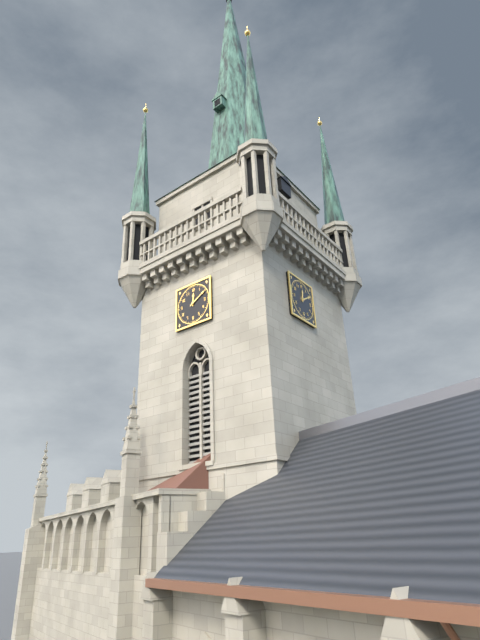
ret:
12:10
